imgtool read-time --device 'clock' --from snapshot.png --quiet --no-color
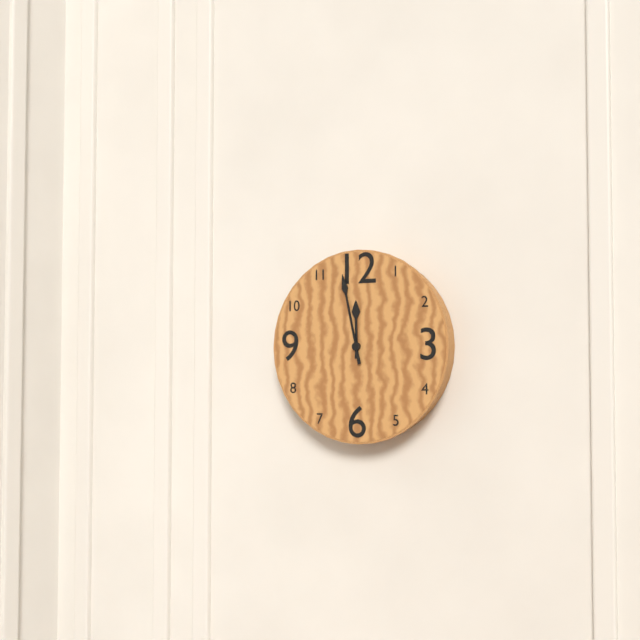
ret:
11:58
